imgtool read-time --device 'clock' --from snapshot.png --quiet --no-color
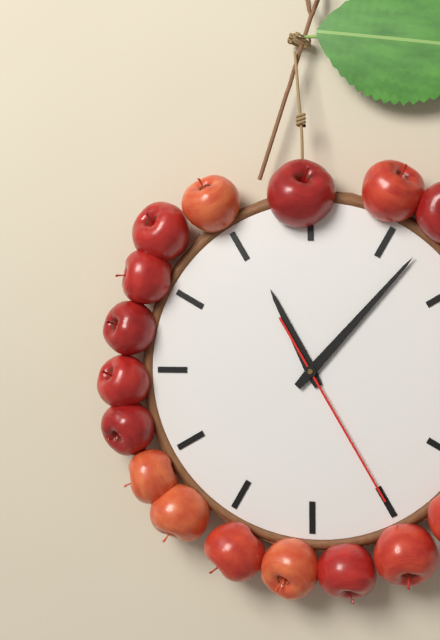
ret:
11:07:25
